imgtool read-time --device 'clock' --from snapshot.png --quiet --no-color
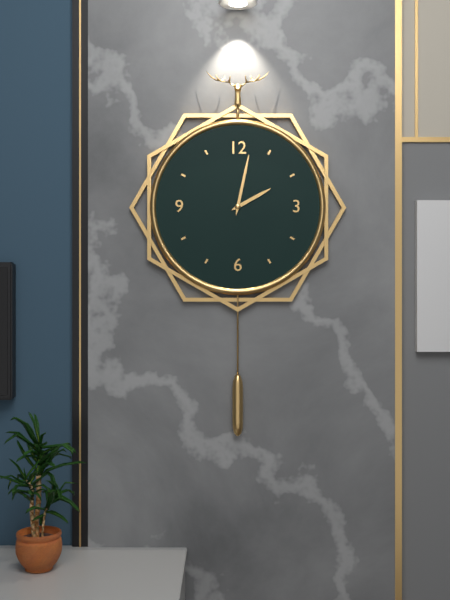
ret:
2:02
